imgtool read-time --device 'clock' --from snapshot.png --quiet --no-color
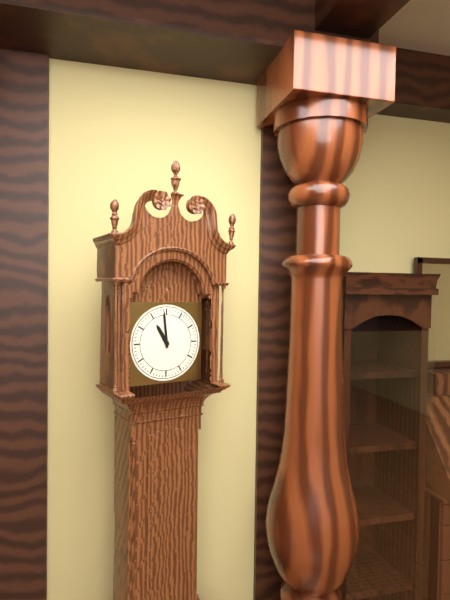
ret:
10:59
